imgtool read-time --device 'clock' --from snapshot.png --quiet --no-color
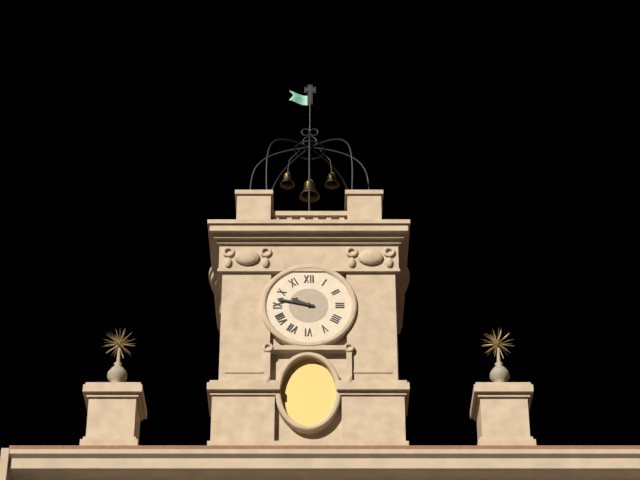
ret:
9:47
